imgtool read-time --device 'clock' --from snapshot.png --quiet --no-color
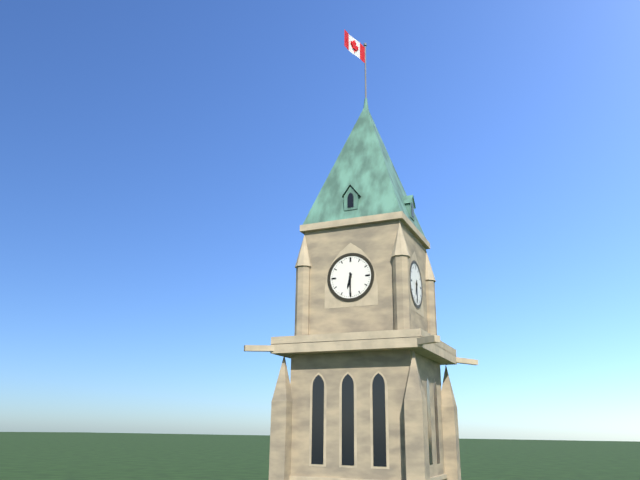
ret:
6:30
